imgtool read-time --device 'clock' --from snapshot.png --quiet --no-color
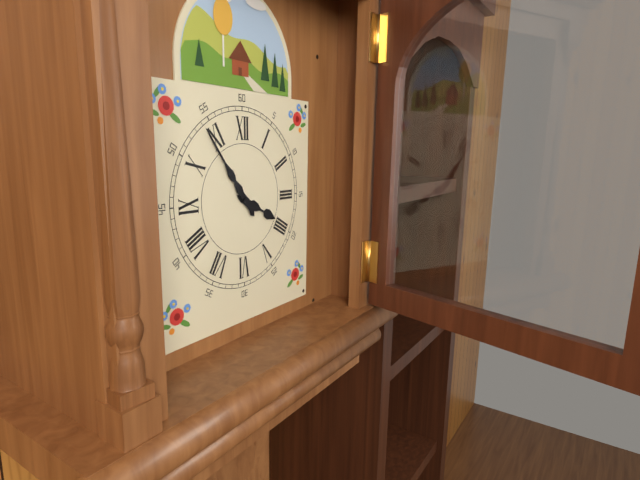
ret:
3:54
